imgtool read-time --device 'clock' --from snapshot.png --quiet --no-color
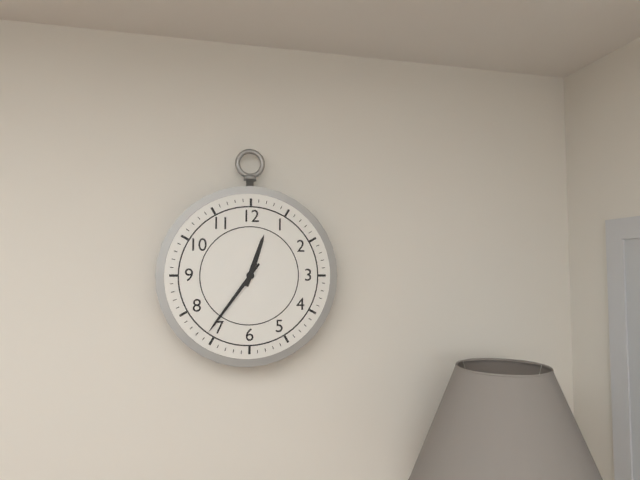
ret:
12:36
